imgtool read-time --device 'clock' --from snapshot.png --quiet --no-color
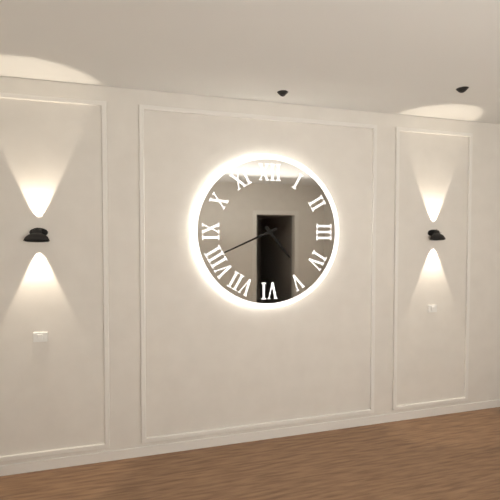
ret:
4:41
